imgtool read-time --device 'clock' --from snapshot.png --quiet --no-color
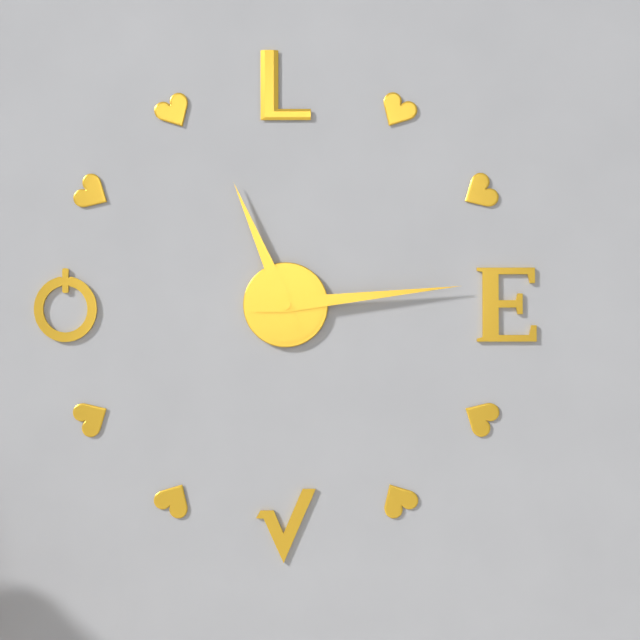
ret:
11:14
